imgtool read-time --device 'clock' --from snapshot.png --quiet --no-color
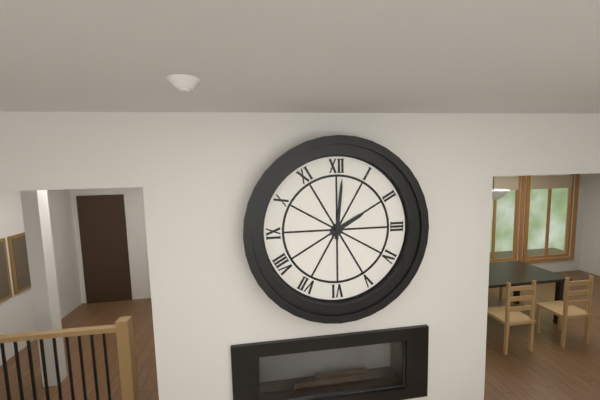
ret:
2:01
